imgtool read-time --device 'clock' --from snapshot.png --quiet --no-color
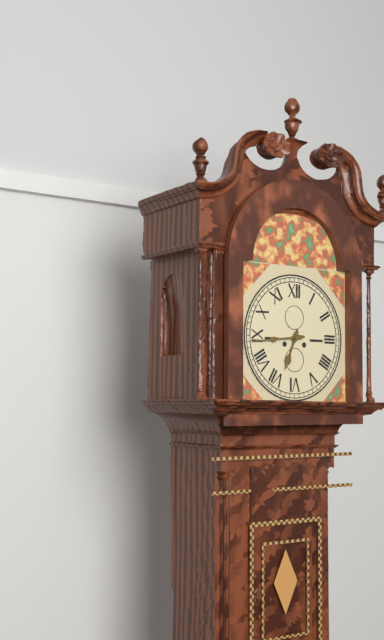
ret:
6:44
